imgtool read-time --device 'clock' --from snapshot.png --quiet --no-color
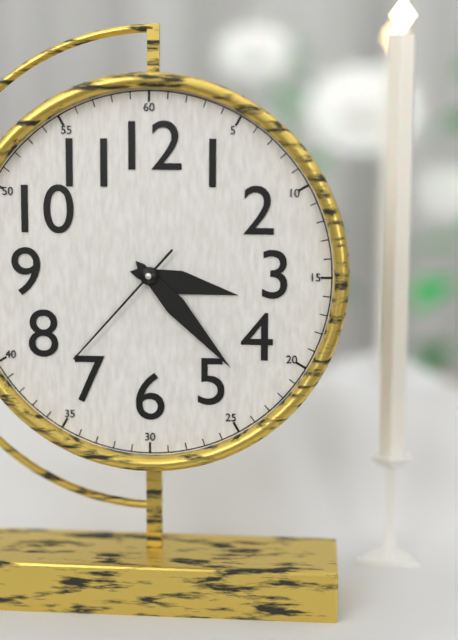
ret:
3:23:37
